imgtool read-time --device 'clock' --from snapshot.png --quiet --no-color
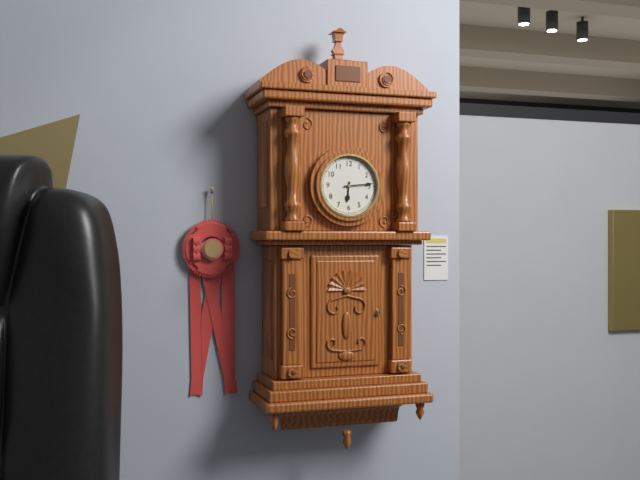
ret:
6:14
